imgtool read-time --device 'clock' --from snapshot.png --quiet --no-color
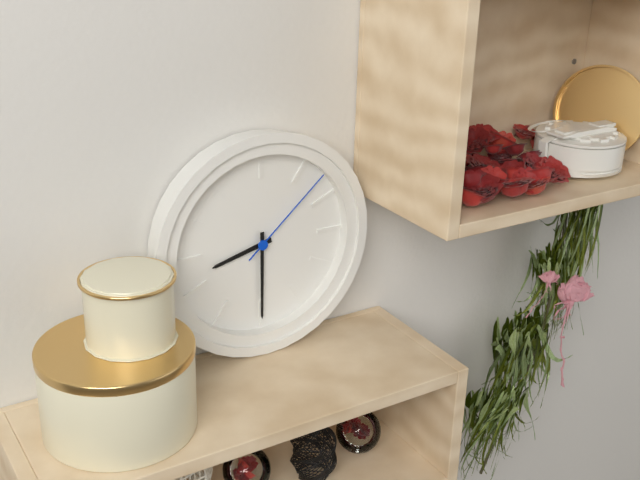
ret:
8:30:08
